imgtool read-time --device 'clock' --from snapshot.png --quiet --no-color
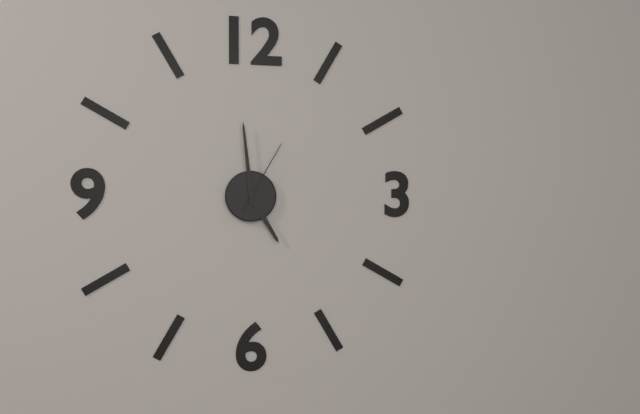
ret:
4:59:05
